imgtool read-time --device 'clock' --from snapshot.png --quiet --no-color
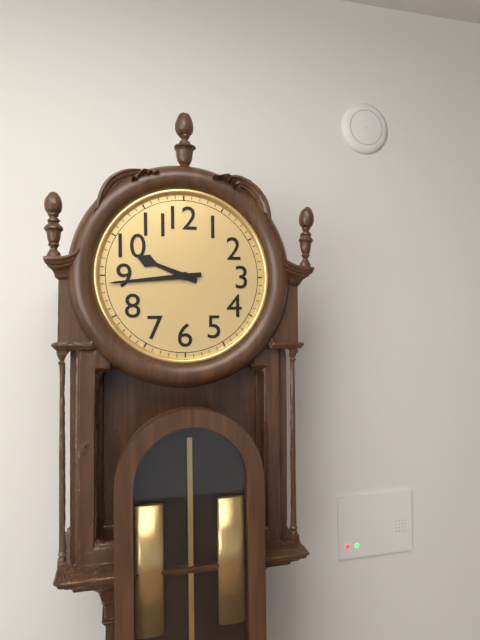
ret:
9:44
